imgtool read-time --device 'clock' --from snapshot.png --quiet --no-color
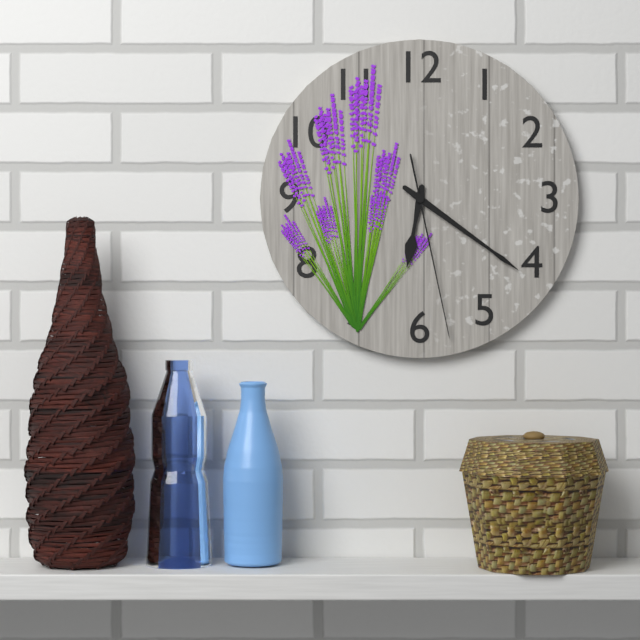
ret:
6:21:28
